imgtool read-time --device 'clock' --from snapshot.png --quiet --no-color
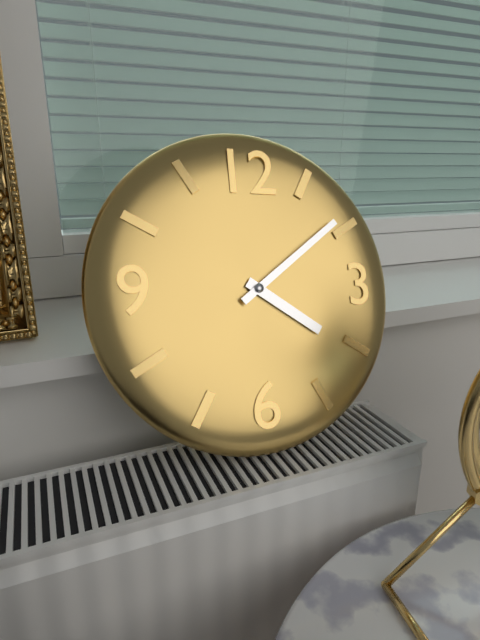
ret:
4:09
